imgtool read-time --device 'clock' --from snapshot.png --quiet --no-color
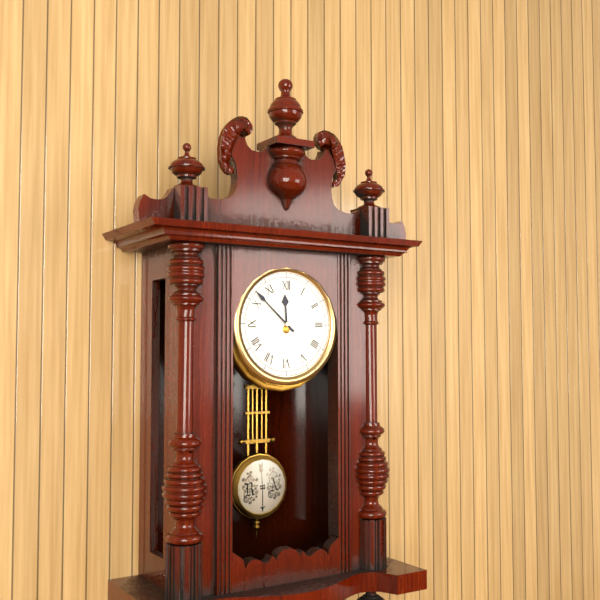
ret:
11:52
